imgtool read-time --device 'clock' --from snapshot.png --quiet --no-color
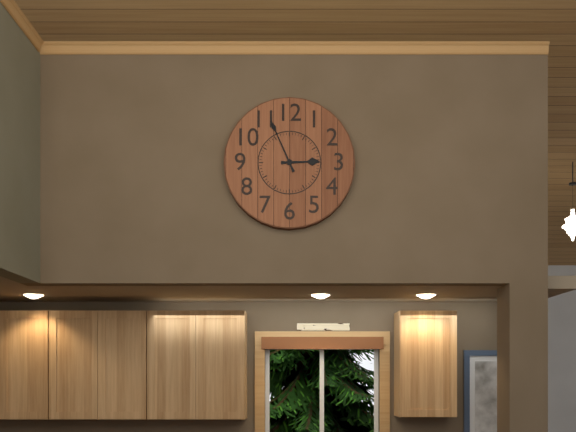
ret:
2:56
